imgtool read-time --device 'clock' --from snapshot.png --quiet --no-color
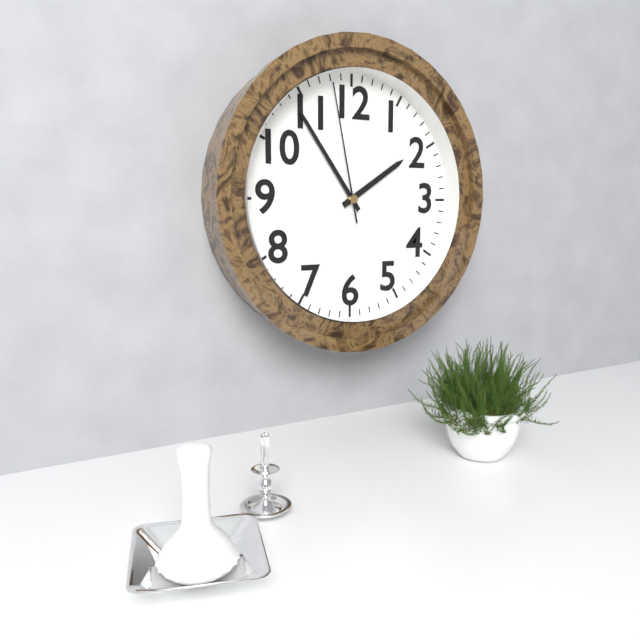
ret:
1:54:58
